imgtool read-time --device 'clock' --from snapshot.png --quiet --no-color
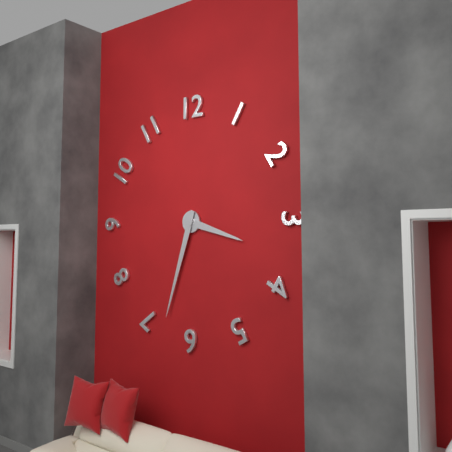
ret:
3:33
